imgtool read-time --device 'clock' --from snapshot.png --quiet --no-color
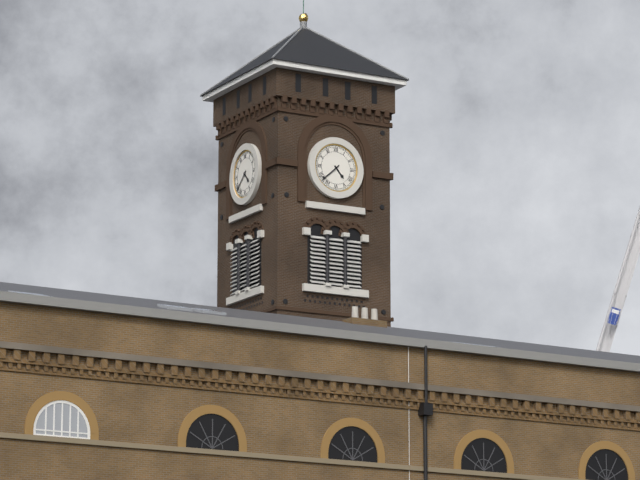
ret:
4:38
